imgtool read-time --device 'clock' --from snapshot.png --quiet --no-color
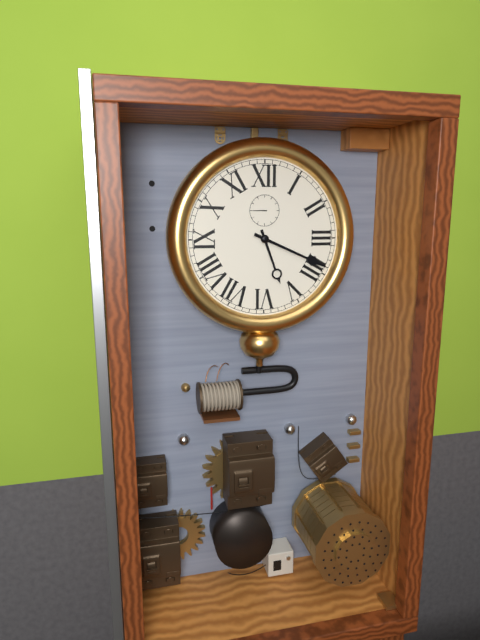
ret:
5:19
